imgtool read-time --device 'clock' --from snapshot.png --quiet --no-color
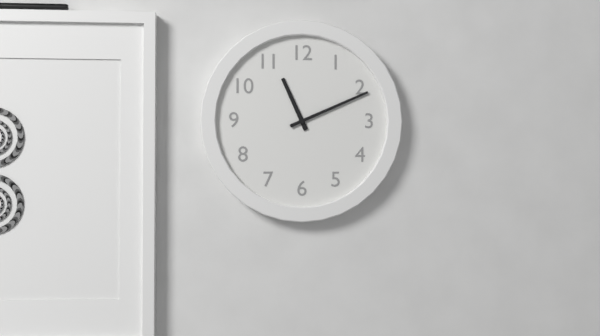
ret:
11:11
